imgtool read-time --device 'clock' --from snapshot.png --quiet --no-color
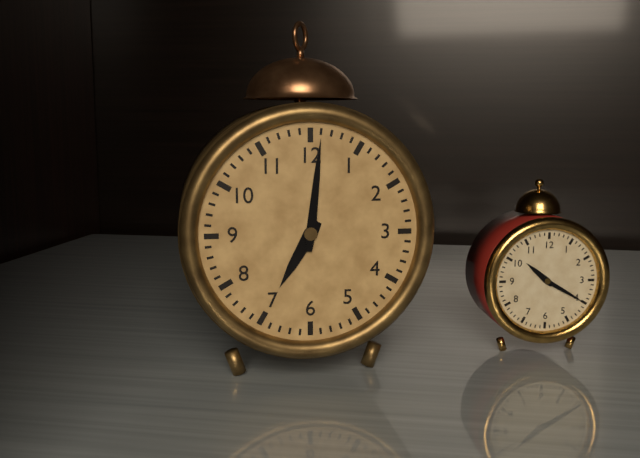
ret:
7:01
